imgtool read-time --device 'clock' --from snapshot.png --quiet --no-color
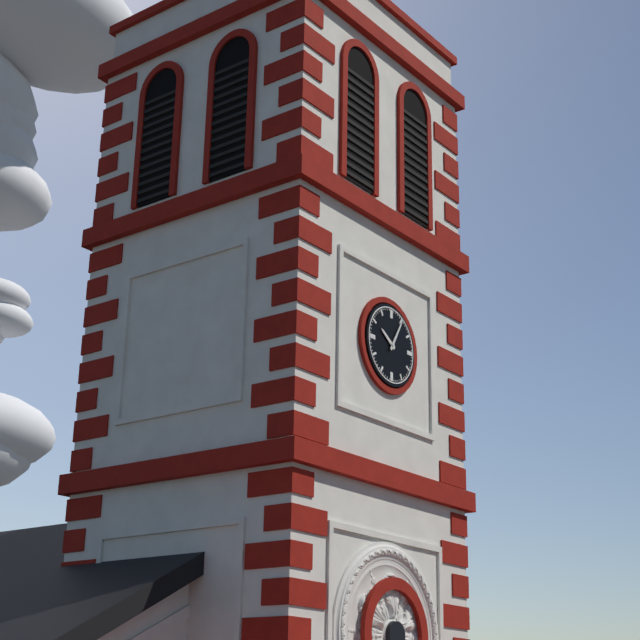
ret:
10:05
